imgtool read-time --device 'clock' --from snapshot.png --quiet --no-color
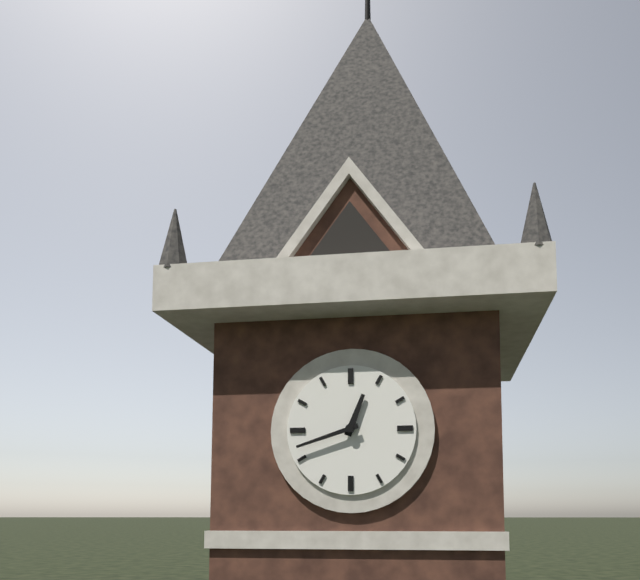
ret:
12:42
